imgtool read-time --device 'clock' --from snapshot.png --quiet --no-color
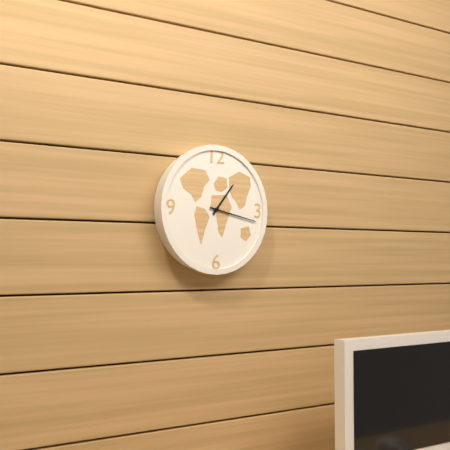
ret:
1:17
